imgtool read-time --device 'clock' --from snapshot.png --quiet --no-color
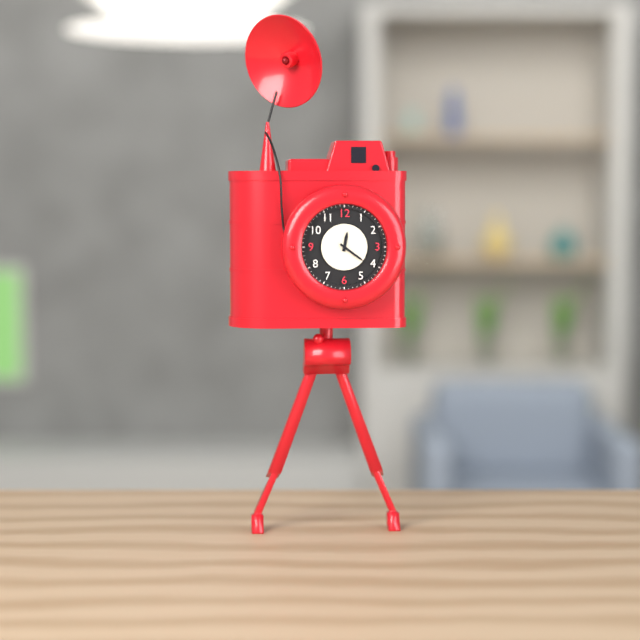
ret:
12:21
